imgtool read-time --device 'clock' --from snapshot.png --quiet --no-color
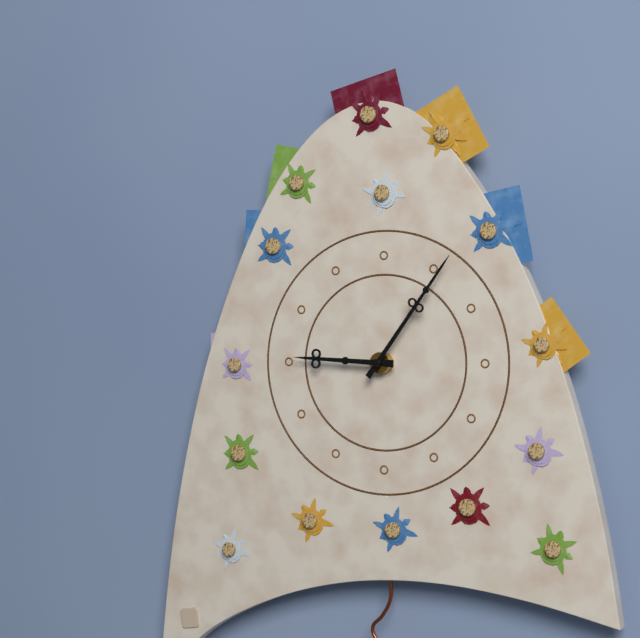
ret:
9:06
